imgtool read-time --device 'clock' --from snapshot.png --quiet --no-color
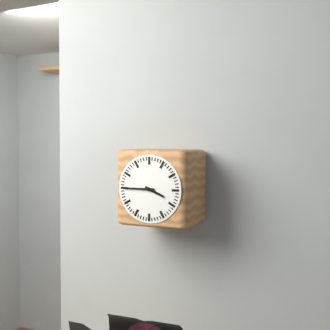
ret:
3:45
